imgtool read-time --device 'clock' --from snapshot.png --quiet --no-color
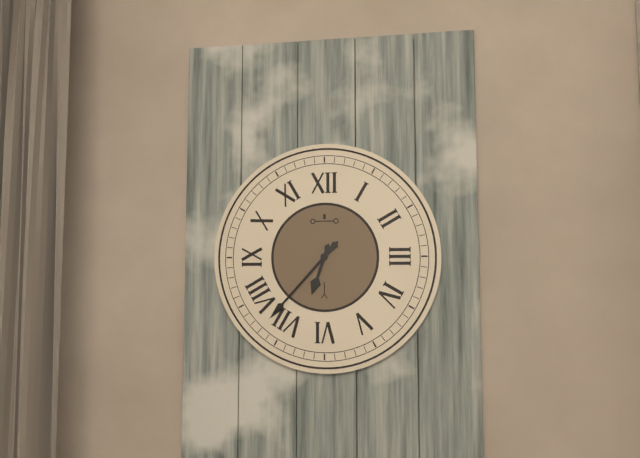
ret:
6:37
